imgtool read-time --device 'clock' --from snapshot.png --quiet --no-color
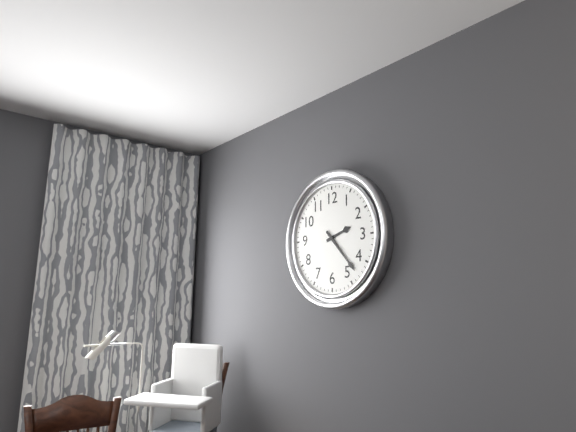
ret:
2:23
